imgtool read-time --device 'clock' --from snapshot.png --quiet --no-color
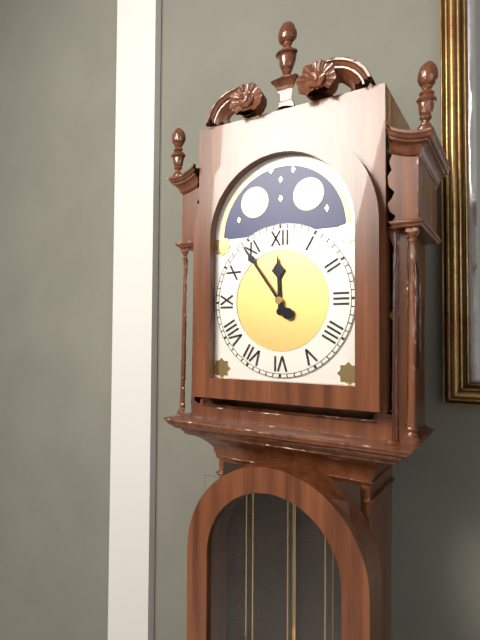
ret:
11:54
